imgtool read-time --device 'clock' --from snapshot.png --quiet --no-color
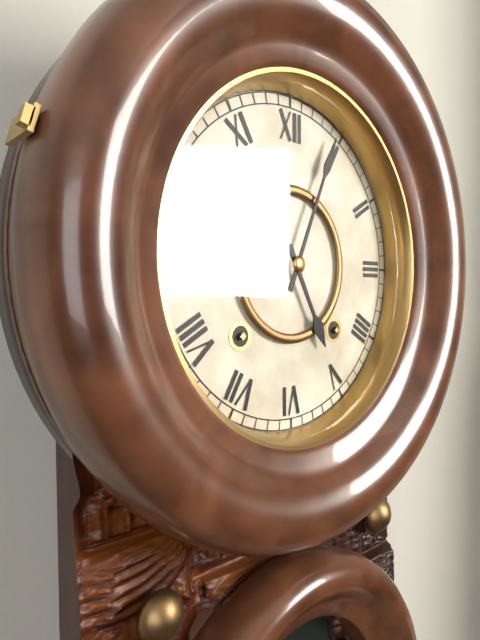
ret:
5:04
